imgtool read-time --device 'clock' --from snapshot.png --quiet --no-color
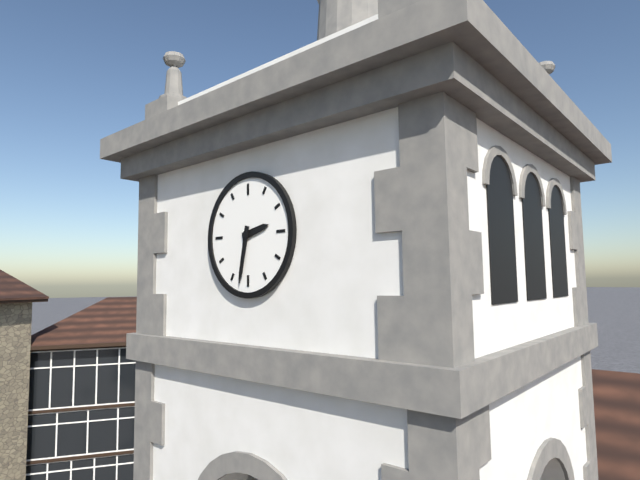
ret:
2:32
